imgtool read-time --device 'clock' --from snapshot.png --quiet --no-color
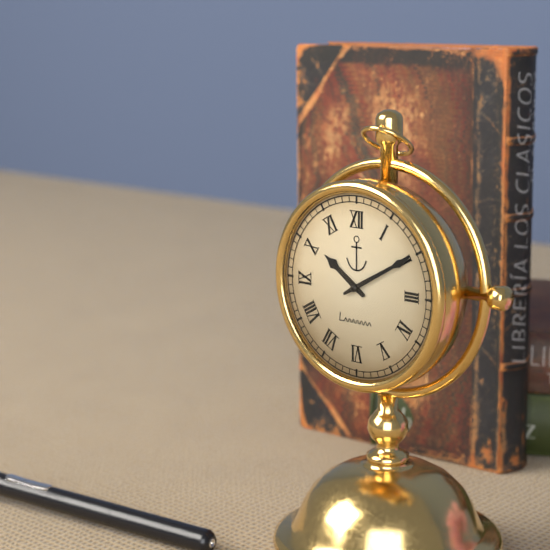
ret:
10:10
